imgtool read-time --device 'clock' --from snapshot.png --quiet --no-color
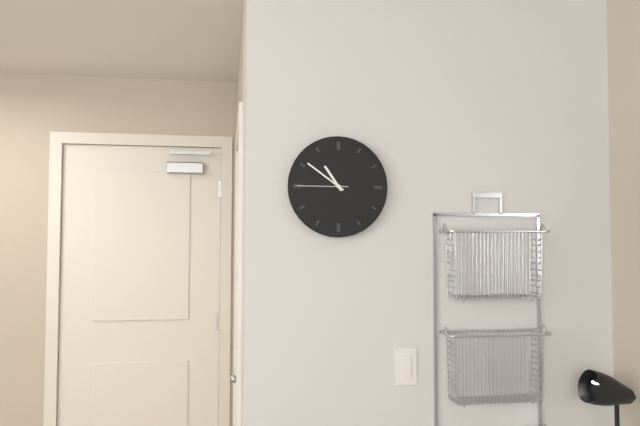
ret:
10:51:45
